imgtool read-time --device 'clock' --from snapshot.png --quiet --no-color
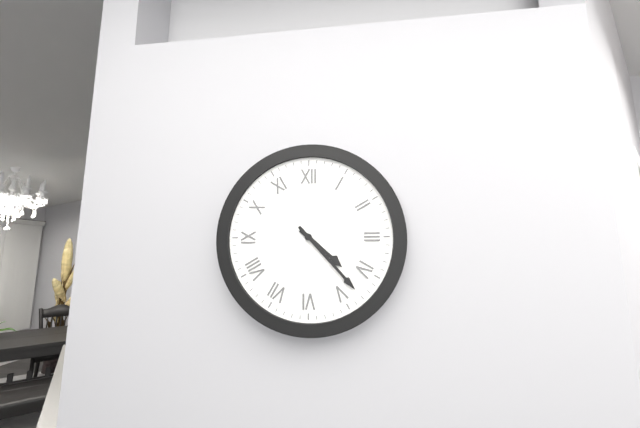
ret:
4:23
